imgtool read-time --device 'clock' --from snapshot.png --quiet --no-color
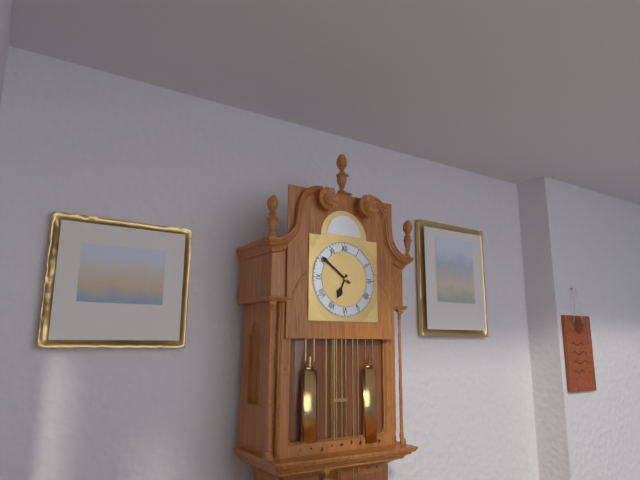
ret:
6:51
